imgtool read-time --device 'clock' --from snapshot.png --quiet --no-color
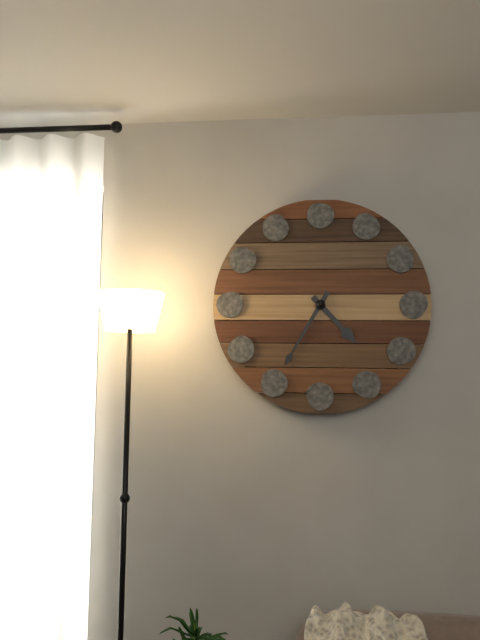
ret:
4:35
